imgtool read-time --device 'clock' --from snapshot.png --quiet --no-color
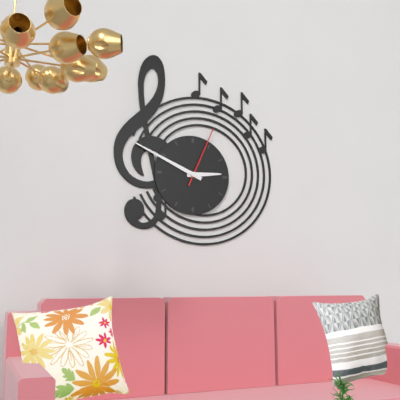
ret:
2:49:04
